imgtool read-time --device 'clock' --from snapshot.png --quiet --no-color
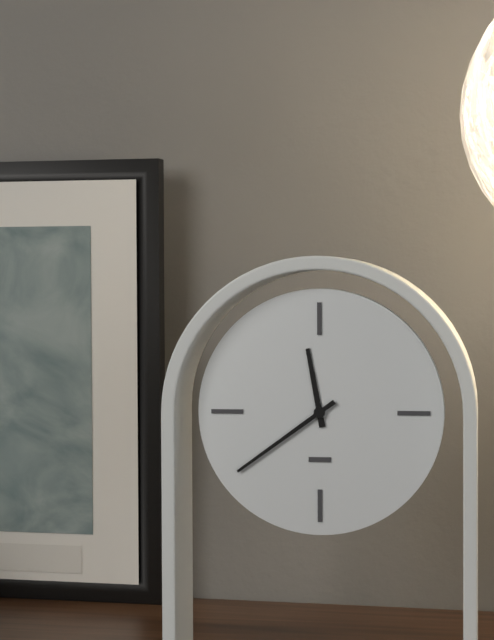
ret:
11:39
